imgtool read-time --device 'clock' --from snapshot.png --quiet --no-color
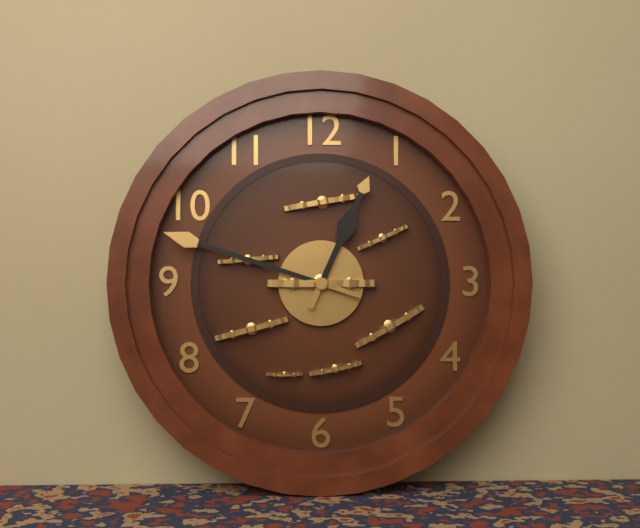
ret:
12:48
